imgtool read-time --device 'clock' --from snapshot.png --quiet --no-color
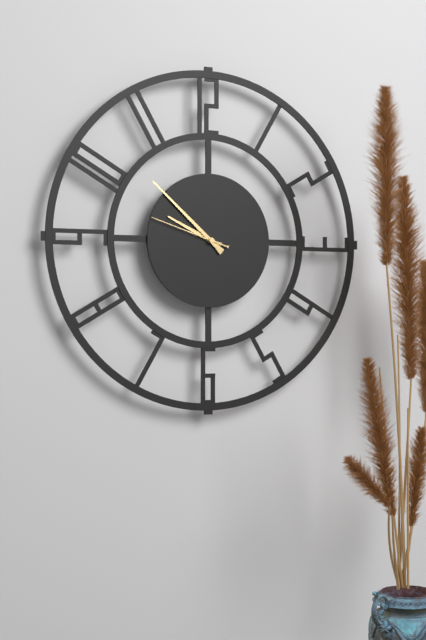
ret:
9:52:48
